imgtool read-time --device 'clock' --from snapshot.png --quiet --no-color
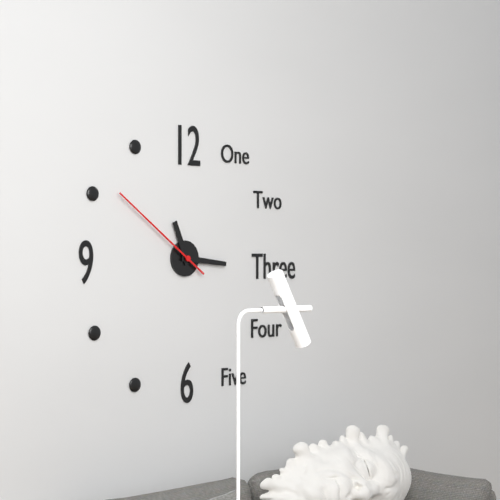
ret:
11:16:51
